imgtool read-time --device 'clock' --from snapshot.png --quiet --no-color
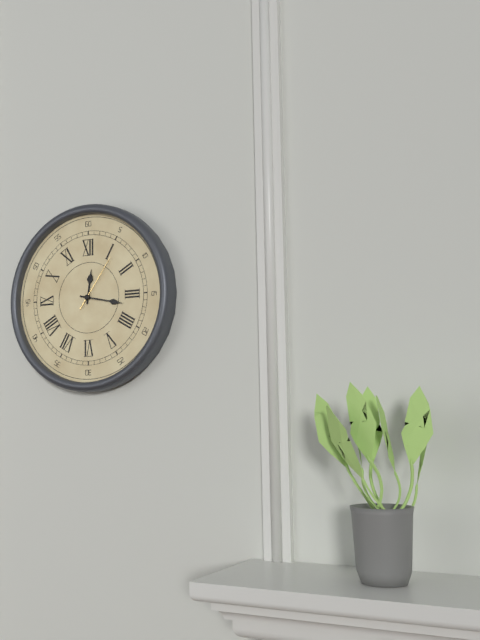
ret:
12:17:06
